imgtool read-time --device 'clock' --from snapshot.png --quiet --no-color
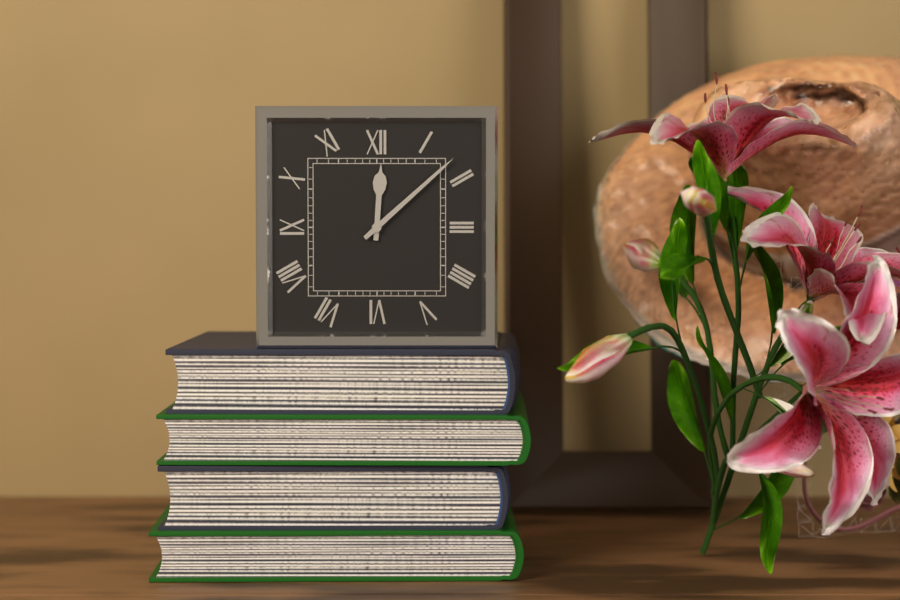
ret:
12:08
